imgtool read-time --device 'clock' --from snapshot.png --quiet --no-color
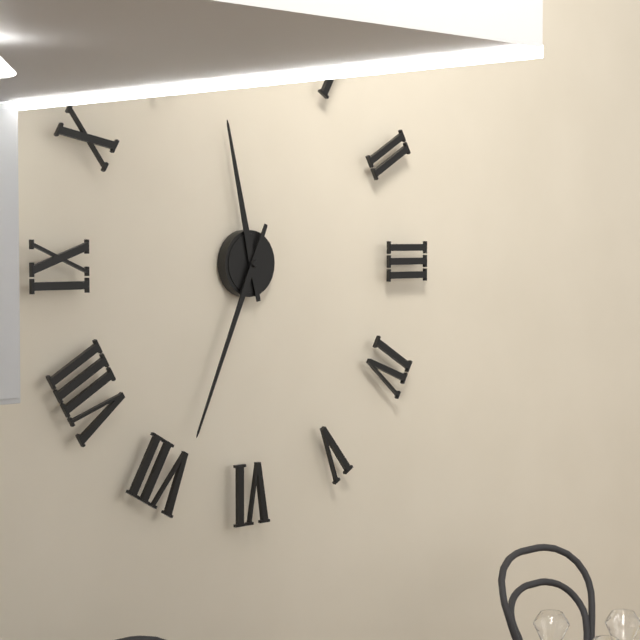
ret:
11:34
